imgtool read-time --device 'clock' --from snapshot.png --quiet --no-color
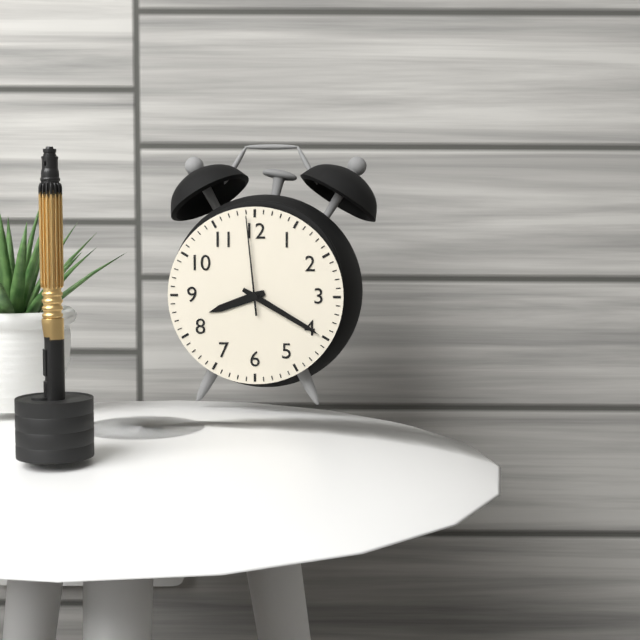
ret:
8:20:59
